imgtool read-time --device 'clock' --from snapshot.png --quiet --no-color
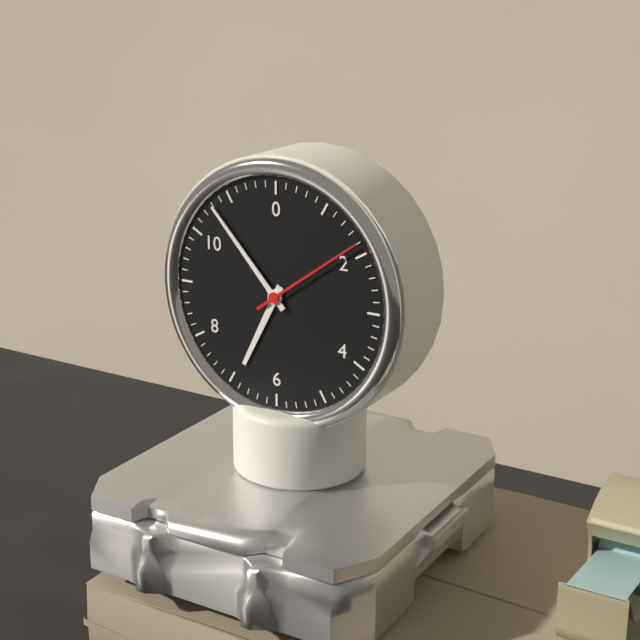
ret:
6:53:09
